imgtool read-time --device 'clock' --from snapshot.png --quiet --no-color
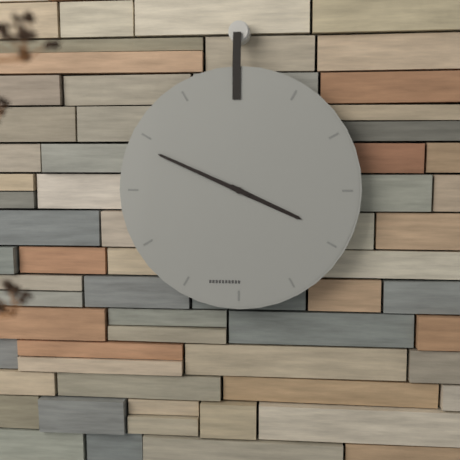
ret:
3:49
